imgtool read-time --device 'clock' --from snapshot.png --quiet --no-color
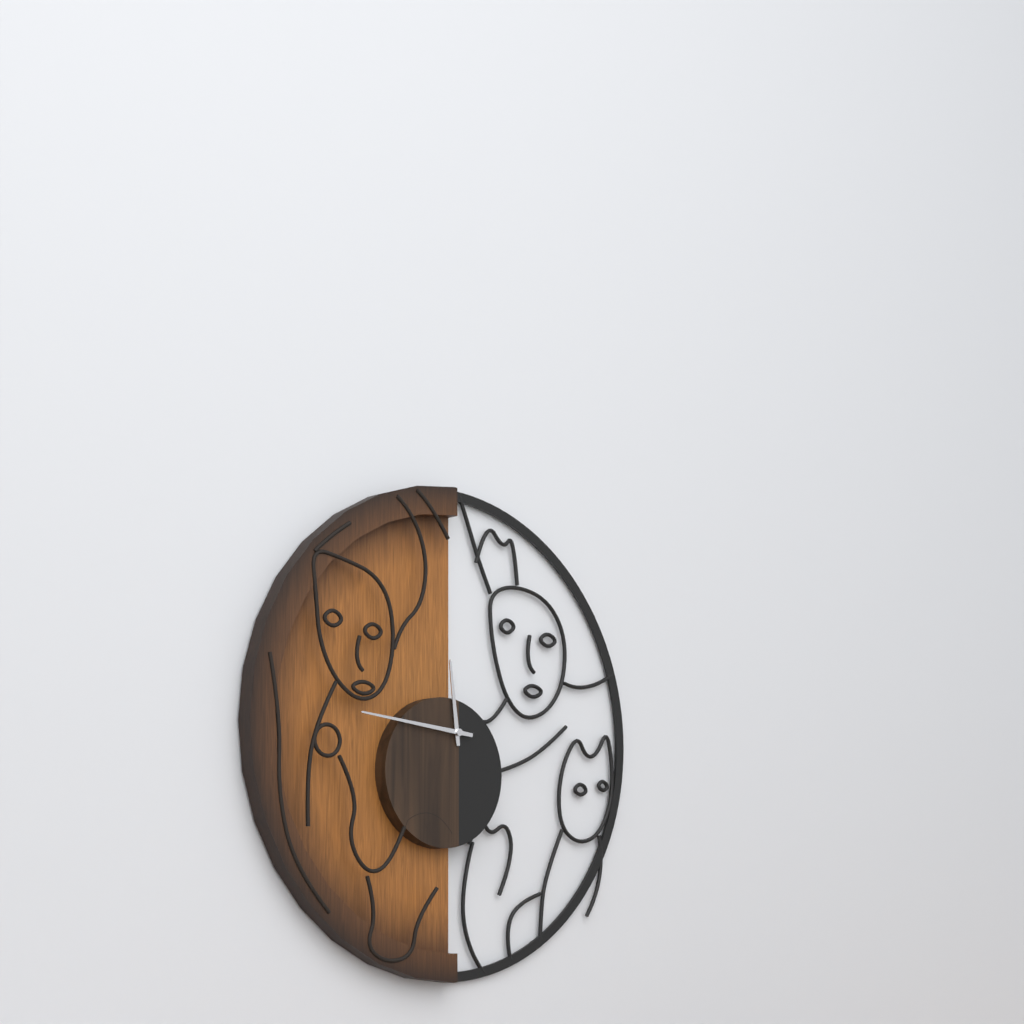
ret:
11:46
